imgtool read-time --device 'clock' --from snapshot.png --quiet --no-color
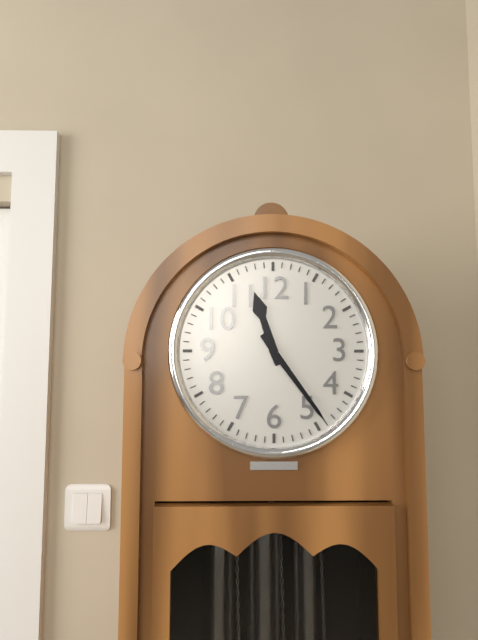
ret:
11:24
